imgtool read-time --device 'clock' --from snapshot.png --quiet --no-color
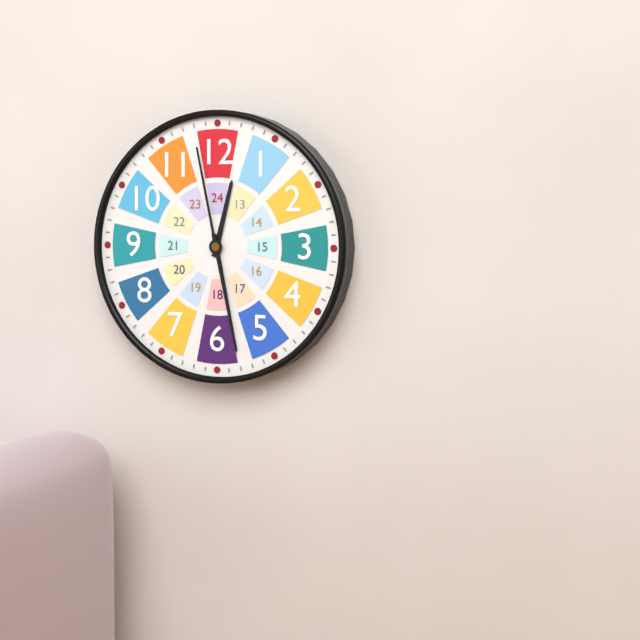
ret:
12:28:58
